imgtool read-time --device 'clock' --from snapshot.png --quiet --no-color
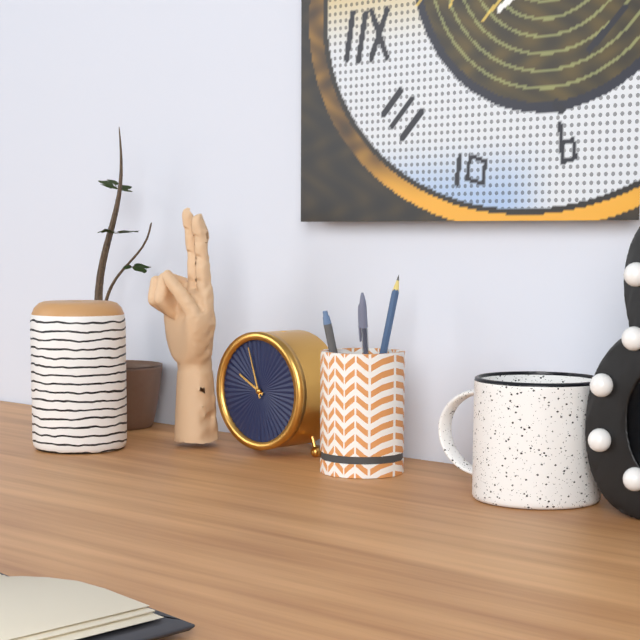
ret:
9:57
